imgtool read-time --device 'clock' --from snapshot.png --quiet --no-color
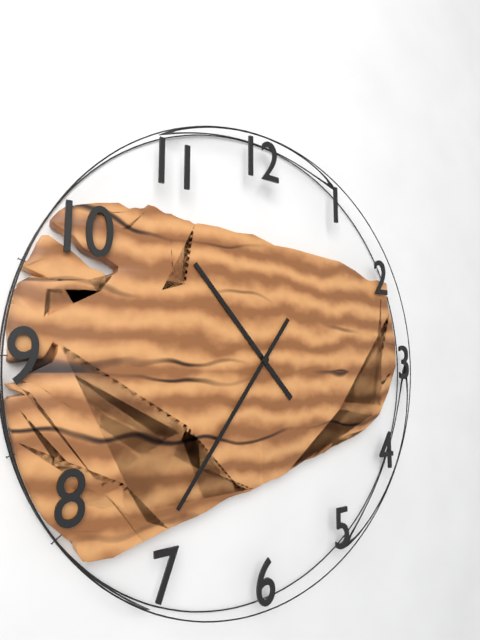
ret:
10:36
